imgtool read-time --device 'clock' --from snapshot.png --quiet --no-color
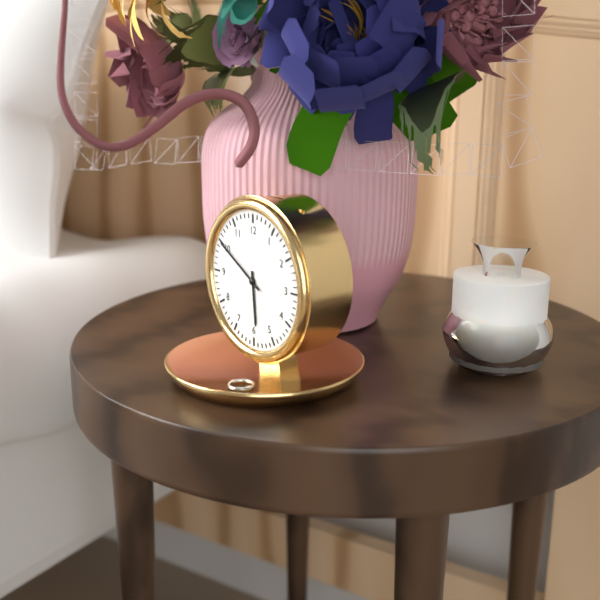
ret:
5:50
